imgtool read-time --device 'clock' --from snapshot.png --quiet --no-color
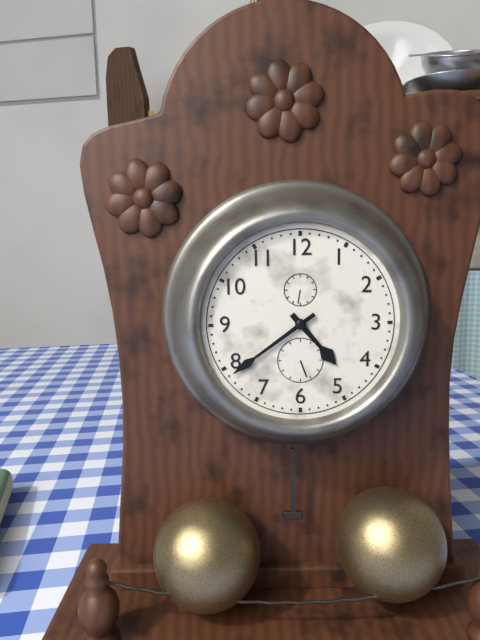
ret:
4:39
